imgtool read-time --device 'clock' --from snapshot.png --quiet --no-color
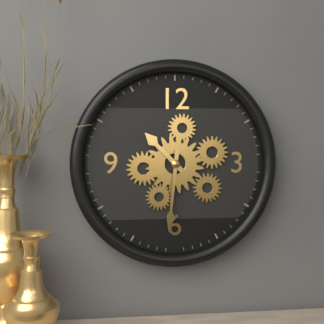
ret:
10:31
